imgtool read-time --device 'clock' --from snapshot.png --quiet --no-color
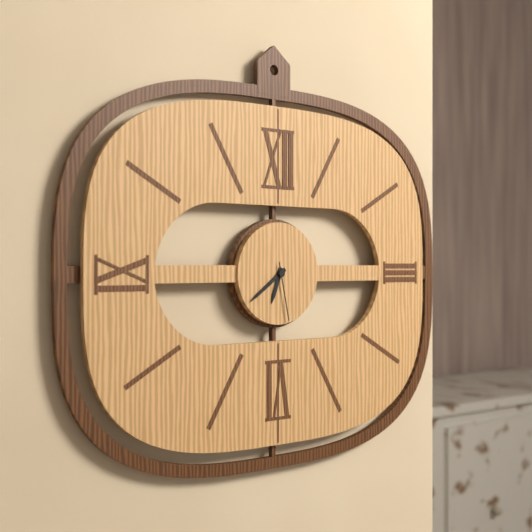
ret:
6:39:28
